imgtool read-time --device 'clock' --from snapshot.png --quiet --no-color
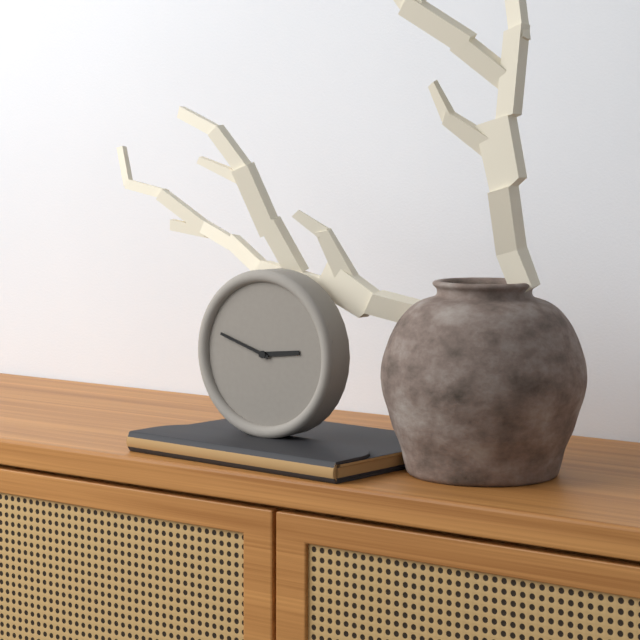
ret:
2:48
